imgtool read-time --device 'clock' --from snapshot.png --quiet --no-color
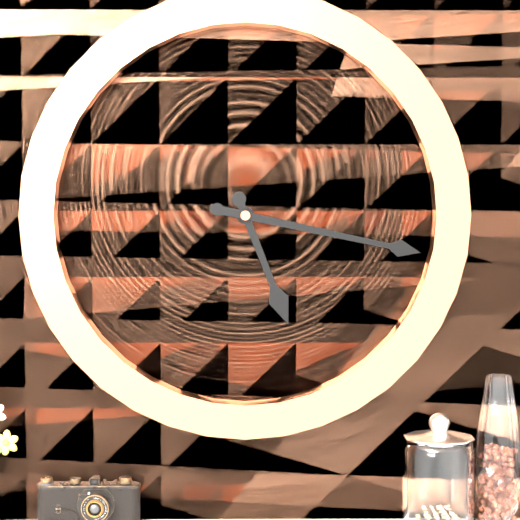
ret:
5:17
